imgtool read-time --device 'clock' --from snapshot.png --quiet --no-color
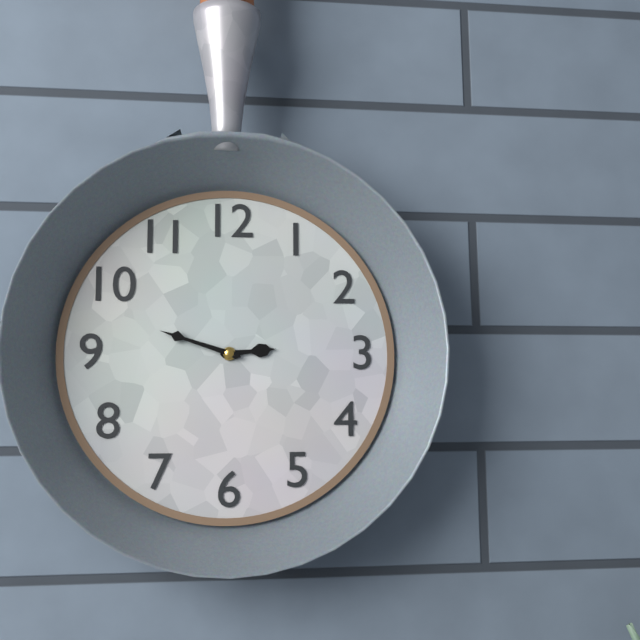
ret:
2:48
